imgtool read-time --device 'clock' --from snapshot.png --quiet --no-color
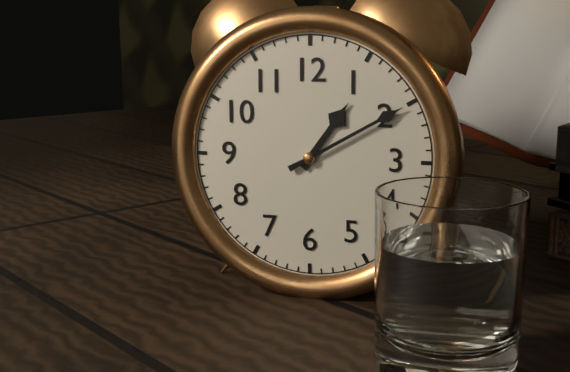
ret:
1:10
